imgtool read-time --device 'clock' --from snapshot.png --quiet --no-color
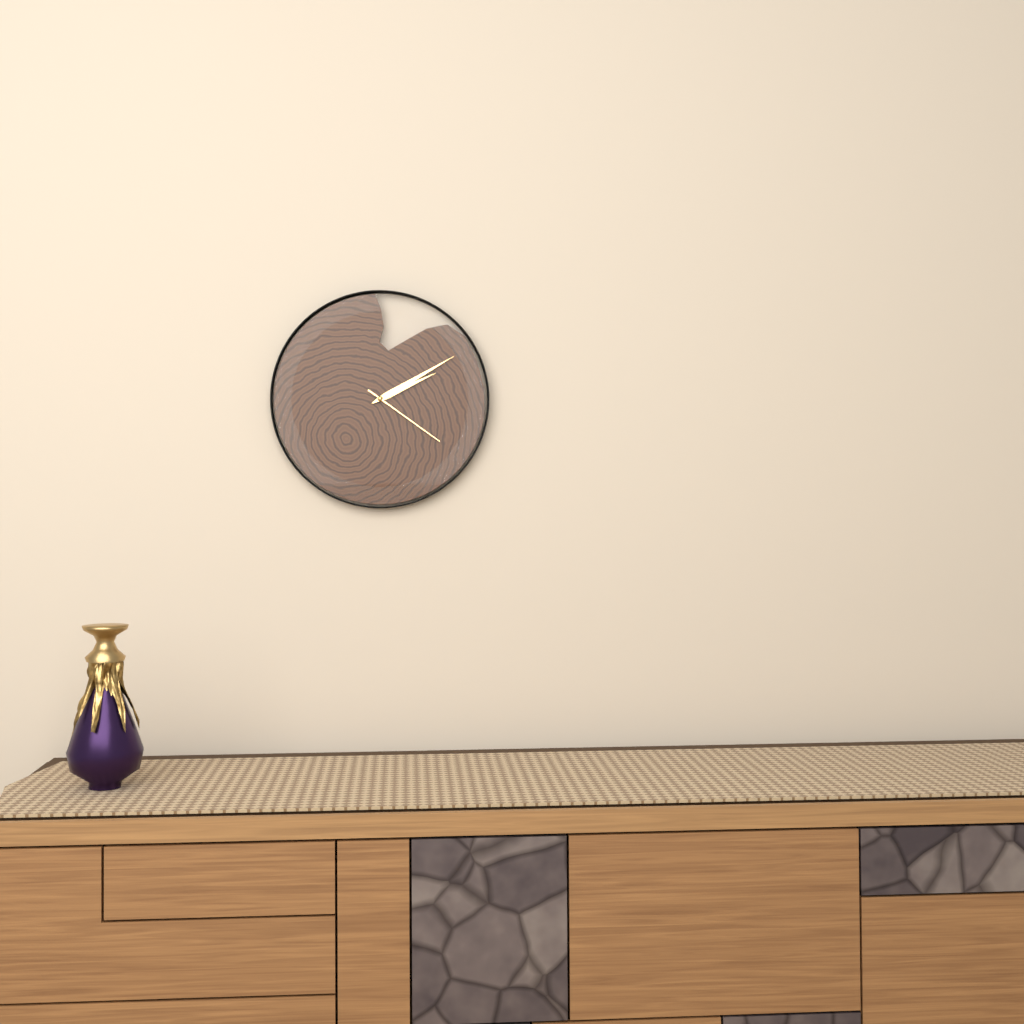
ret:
2:10:21
